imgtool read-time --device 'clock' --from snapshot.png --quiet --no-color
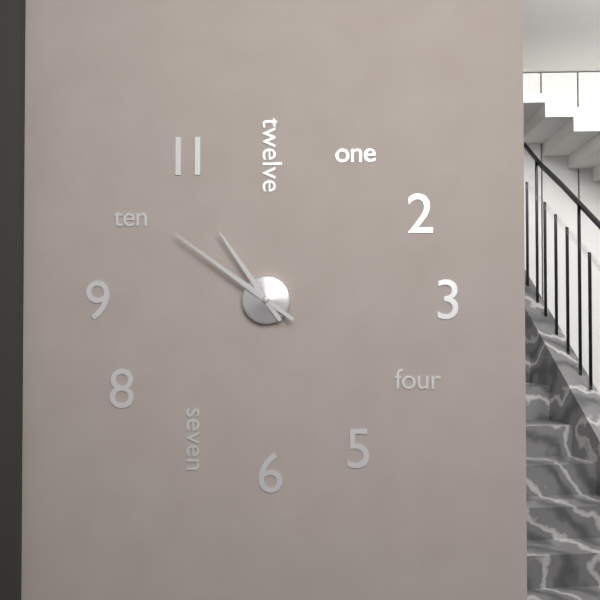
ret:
10:51
